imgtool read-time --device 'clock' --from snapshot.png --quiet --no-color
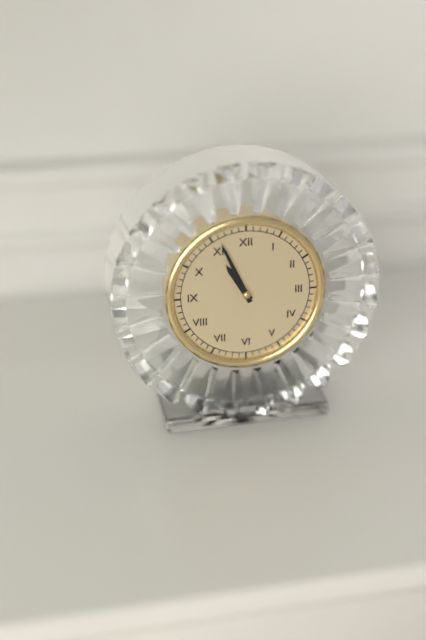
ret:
10:56
